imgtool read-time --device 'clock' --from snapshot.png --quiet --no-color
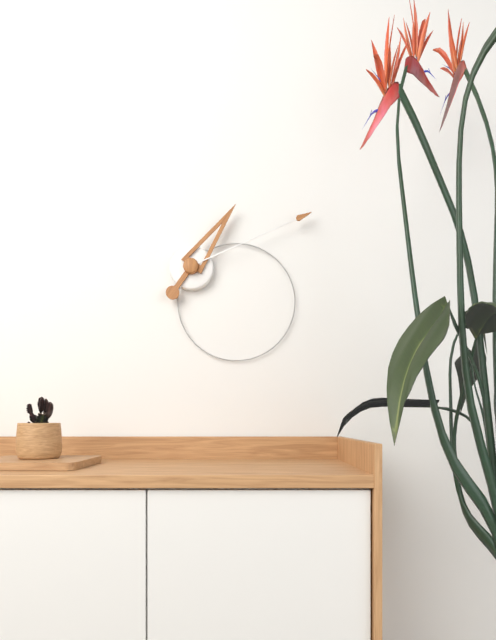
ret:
1:11
